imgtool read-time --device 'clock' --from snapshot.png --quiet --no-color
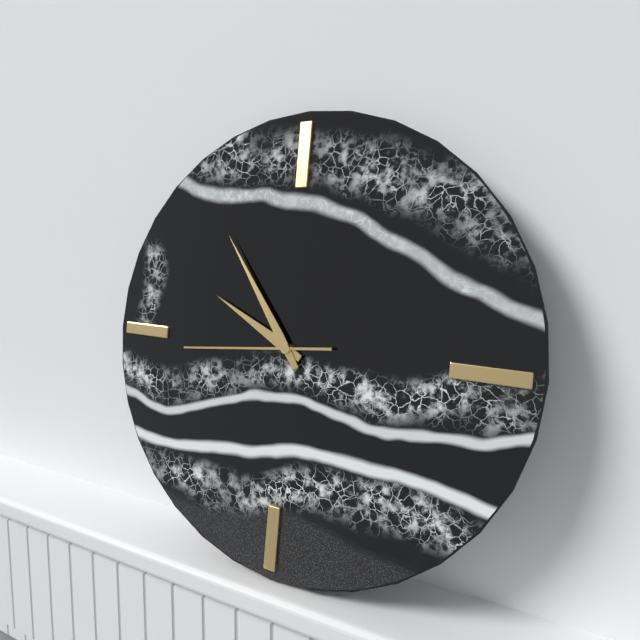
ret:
9:54:44
